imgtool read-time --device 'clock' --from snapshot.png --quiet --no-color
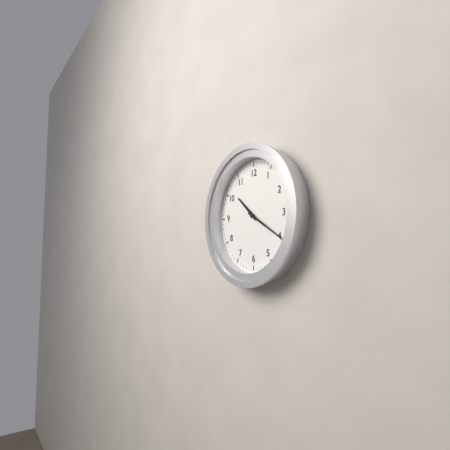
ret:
10:20
